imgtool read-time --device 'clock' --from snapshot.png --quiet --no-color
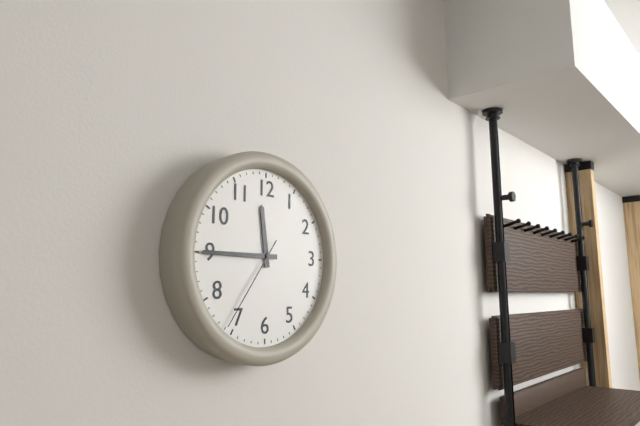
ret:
11:45:36
